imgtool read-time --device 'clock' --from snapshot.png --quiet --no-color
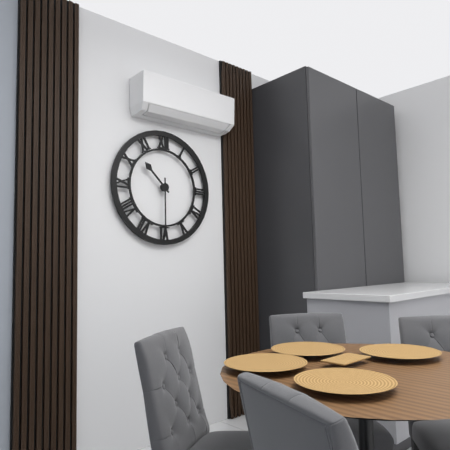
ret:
10:30
